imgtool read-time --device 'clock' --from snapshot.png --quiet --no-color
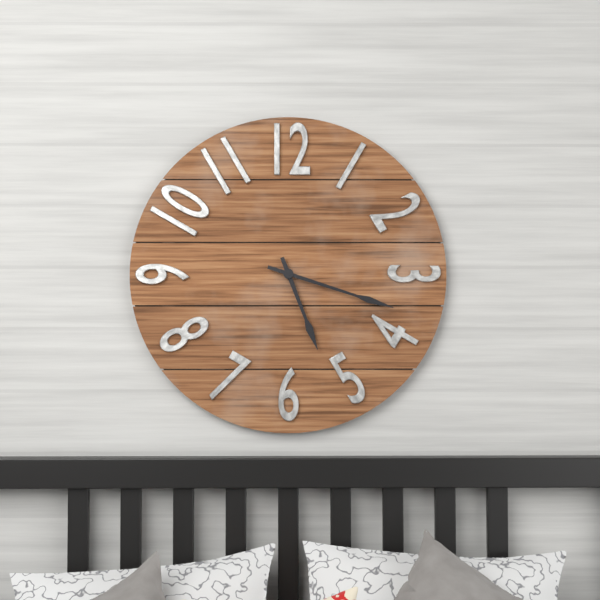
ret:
5:18
